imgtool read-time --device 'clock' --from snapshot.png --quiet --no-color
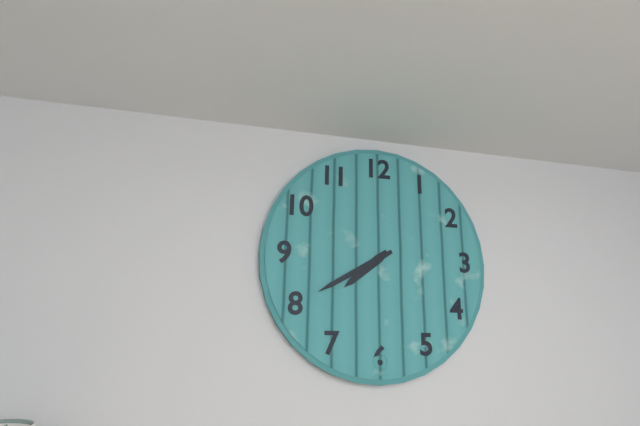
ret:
7:40
